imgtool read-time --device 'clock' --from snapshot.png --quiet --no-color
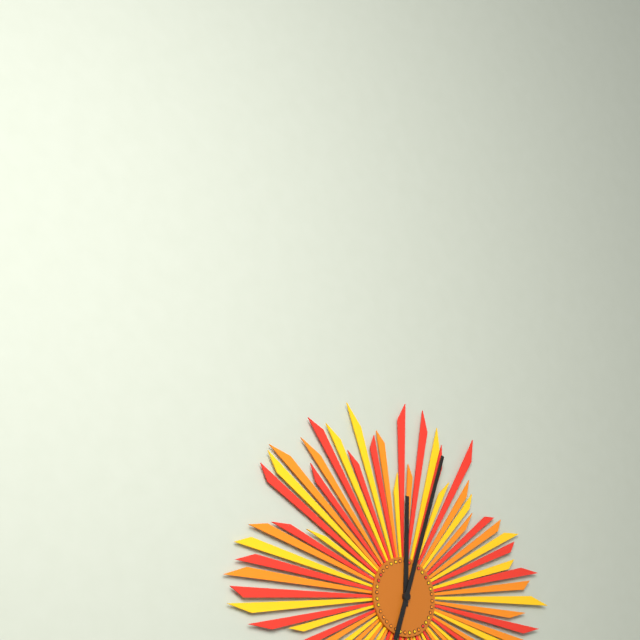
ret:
12:03
